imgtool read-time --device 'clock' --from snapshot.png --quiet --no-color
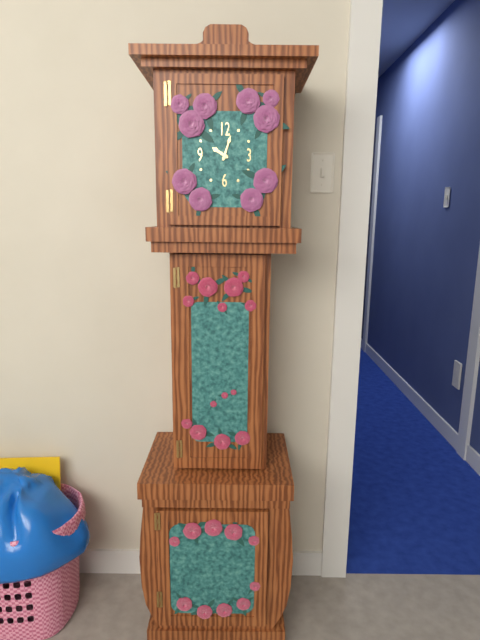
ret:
10:03
